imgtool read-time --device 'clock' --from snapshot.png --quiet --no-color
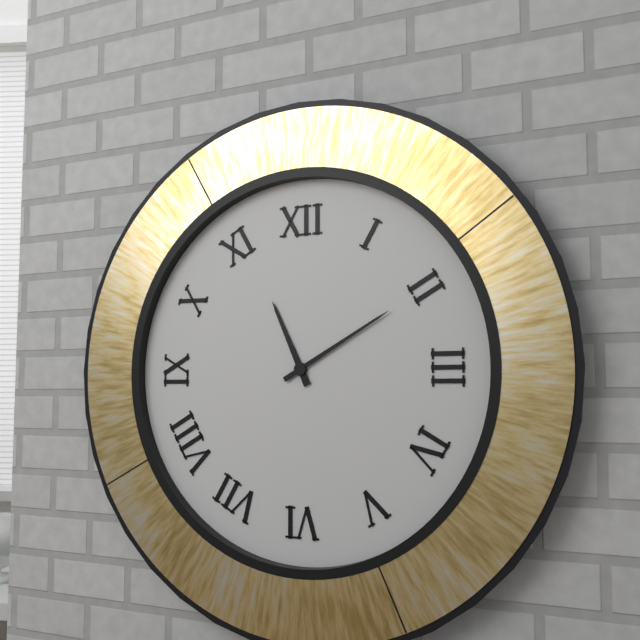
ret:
11:10
